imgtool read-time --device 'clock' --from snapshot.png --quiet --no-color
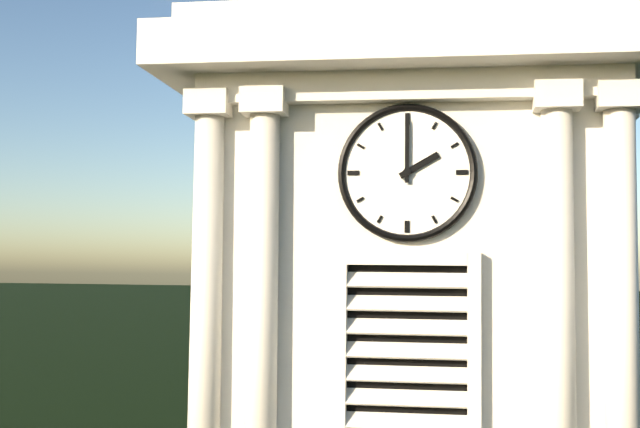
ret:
2:00
